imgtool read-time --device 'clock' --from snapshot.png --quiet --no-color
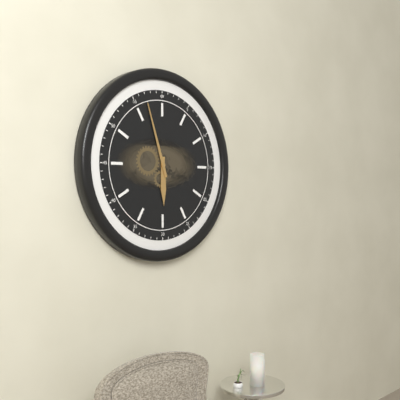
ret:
5:57
